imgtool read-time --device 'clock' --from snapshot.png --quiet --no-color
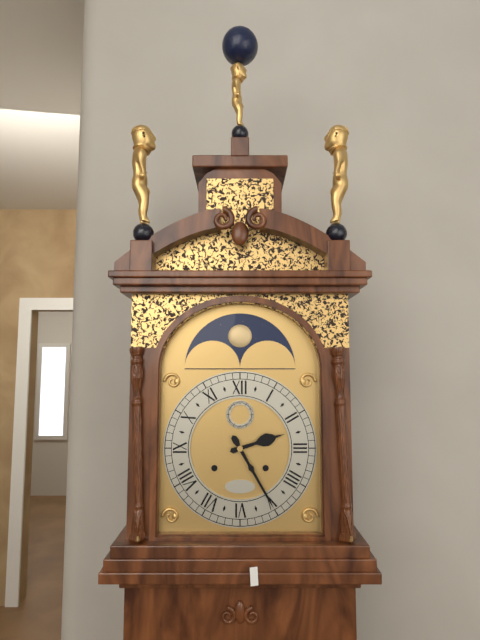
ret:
2:25
